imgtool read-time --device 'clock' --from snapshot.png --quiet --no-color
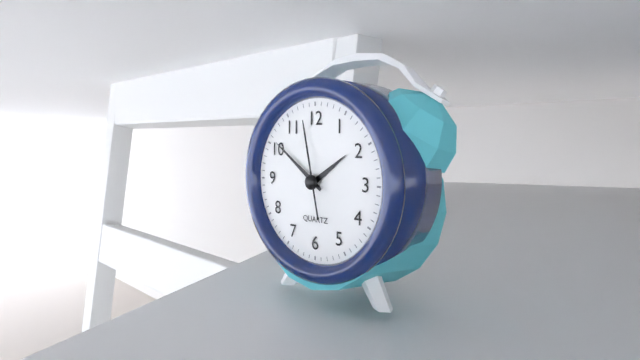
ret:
1:51:58
